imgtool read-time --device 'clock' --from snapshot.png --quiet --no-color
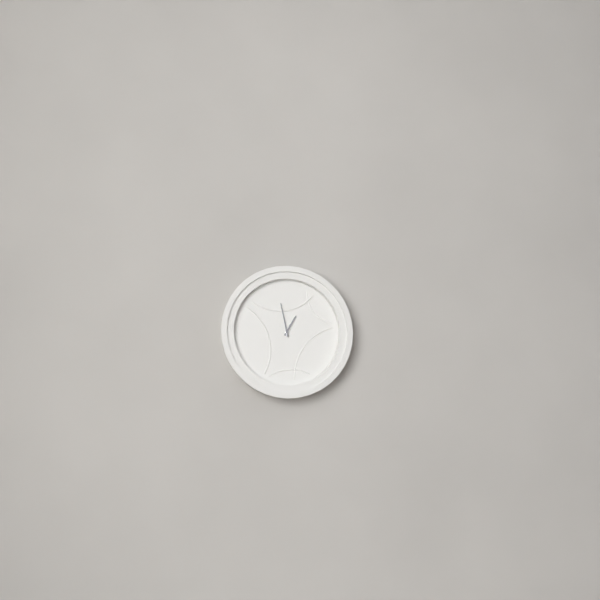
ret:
12:58
